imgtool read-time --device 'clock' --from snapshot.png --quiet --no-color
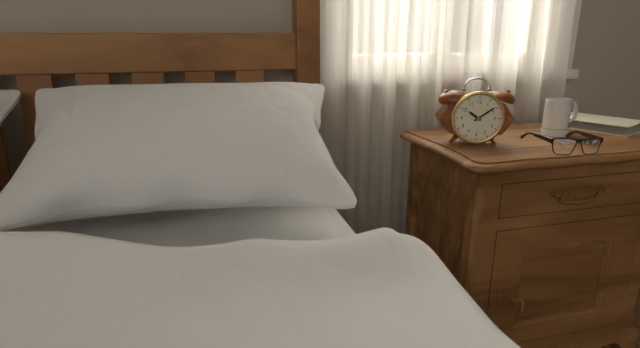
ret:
10:09
